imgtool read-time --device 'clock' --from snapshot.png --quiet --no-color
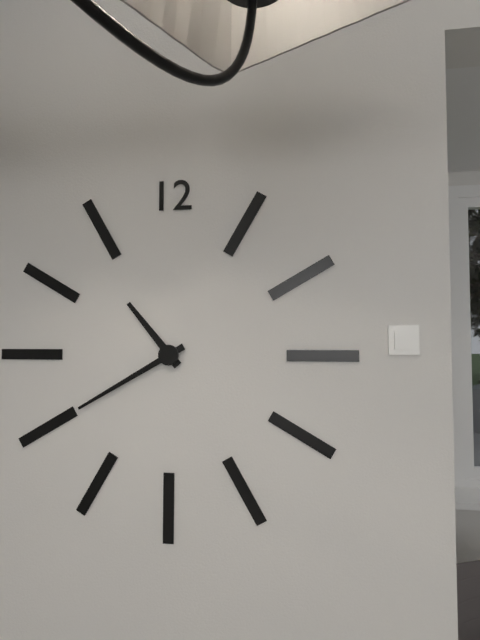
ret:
10:40
